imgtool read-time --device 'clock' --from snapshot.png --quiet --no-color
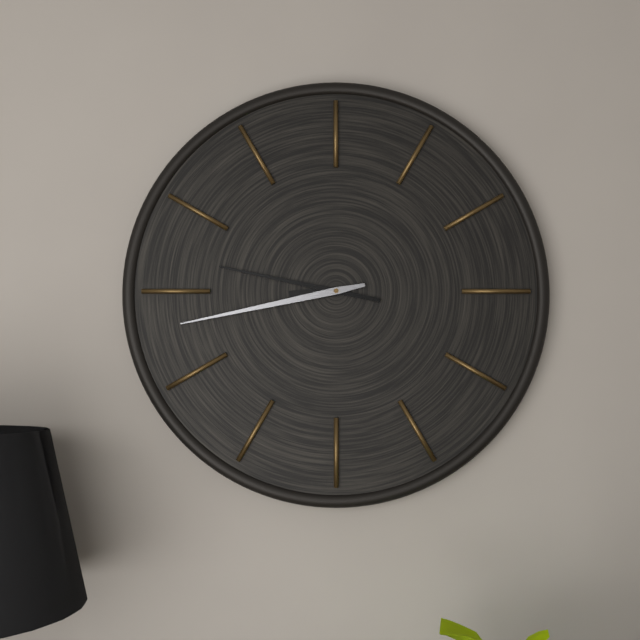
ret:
8:47:43
